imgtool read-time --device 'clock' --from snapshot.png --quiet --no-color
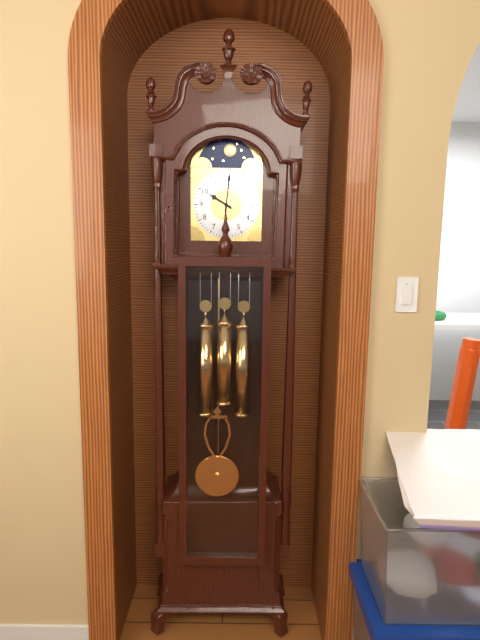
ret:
10:01
